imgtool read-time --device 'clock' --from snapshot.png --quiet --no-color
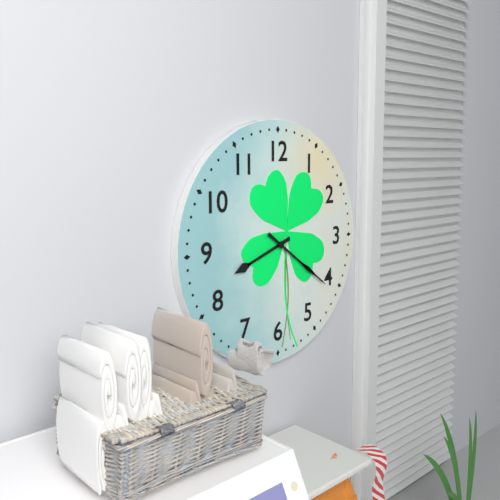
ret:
8:21
